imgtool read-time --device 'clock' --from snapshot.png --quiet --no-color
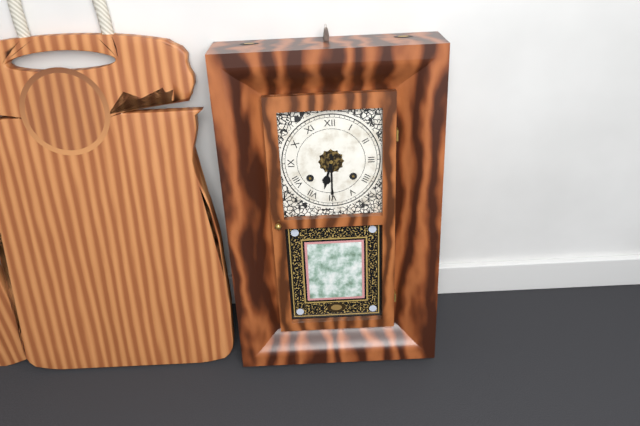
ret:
6:30
